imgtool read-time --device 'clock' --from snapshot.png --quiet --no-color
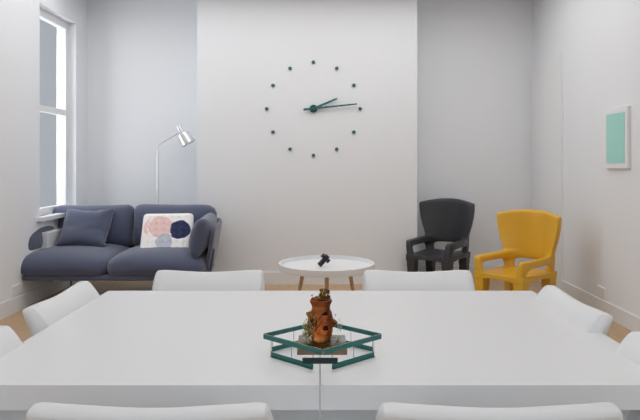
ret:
2:14
